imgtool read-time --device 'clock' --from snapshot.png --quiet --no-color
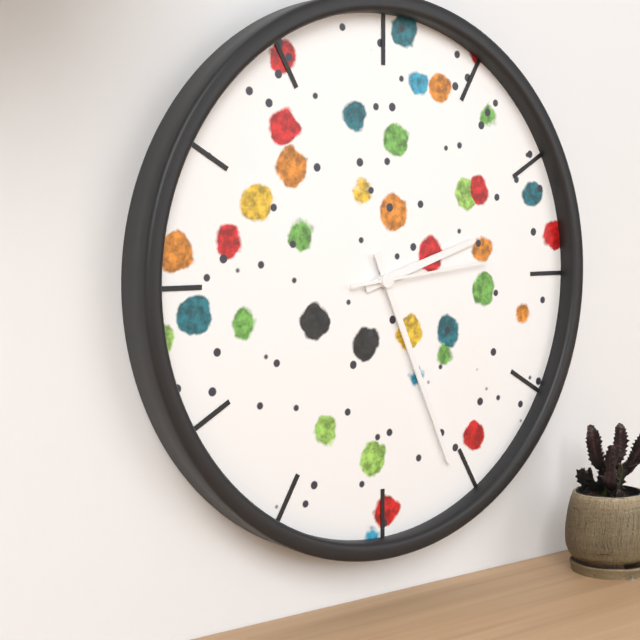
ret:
2:26:14
